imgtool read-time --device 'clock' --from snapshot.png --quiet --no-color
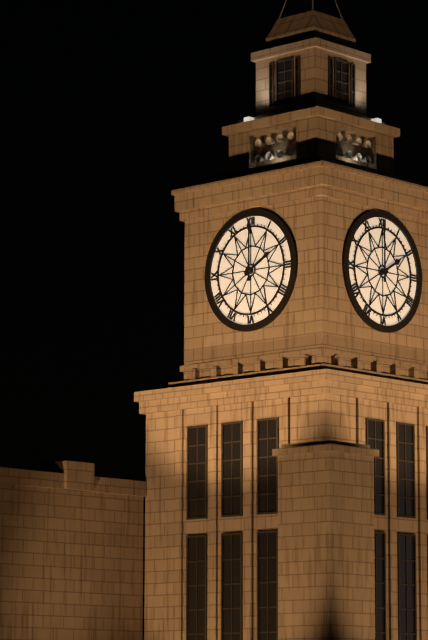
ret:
2:00
